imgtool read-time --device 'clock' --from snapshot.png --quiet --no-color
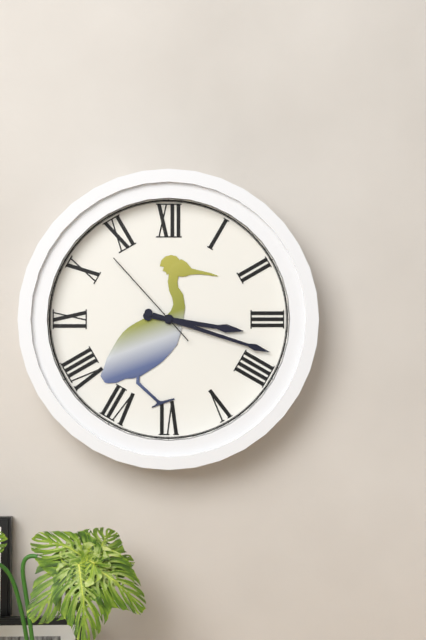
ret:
3:18:53
